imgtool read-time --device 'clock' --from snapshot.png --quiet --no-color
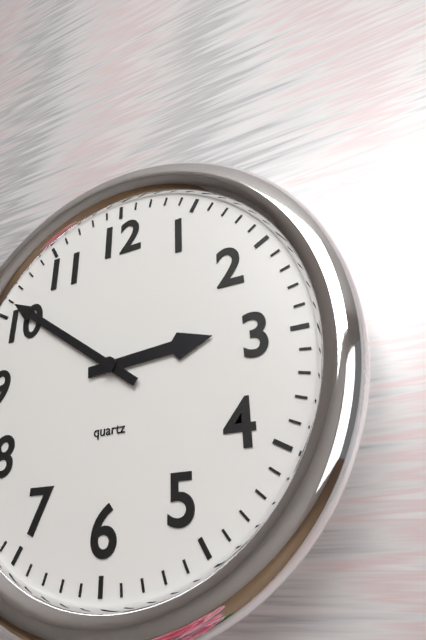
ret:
2:51
